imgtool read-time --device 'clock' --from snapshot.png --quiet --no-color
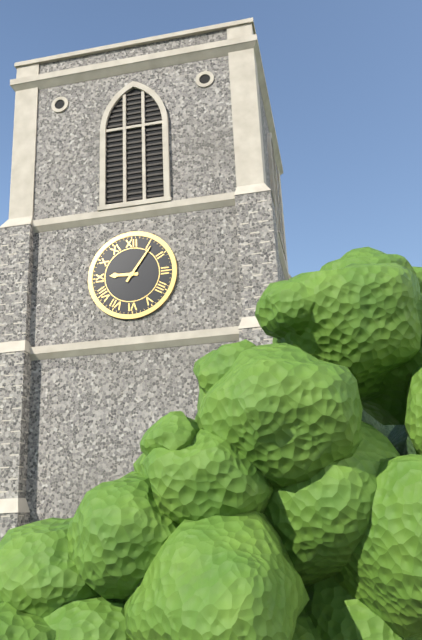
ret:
9:06
